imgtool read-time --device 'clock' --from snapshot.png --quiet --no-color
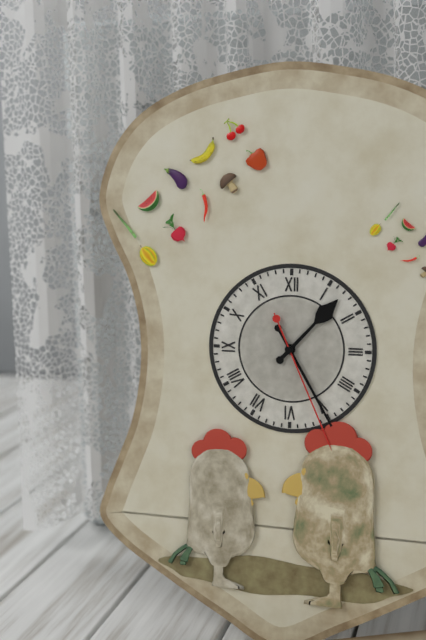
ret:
1:25:26
